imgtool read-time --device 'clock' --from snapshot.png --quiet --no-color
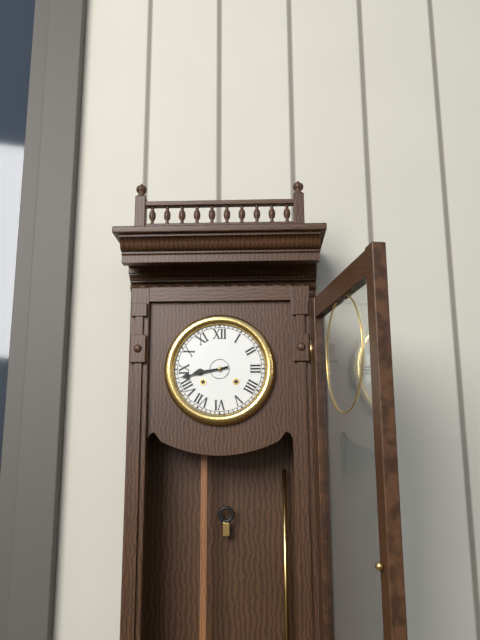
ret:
8:43
